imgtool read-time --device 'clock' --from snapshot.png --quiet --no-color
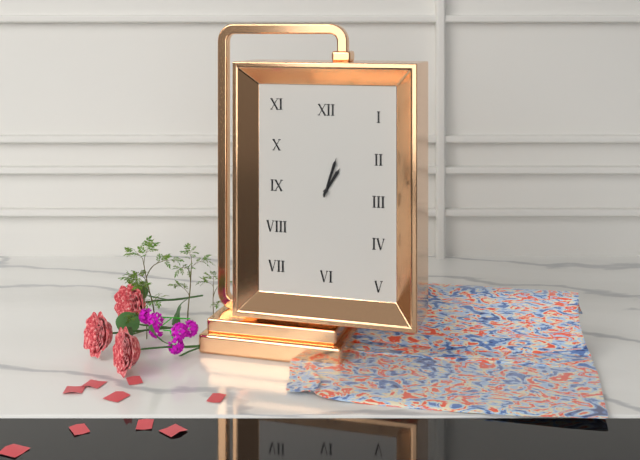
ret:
1:03
